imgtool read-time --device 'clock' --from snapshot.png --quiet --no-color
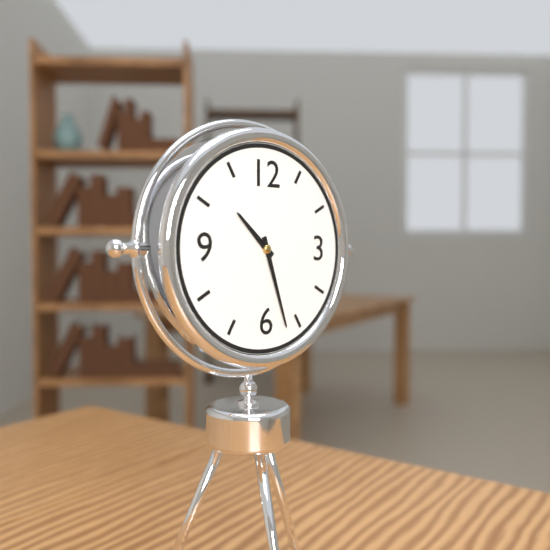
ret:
10:27
